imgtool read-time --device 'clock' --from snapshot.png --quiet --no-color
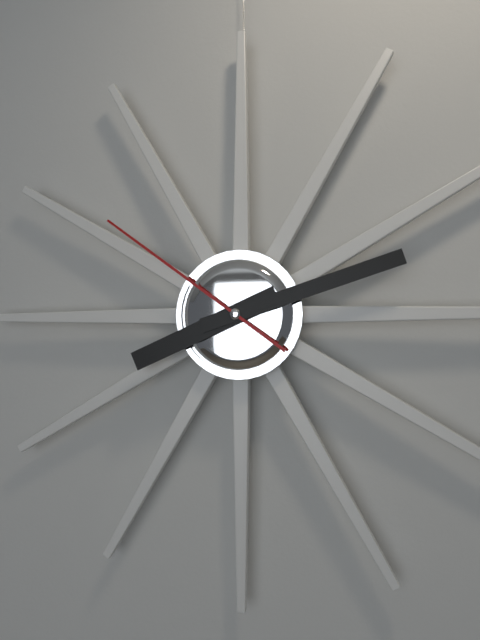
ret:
8:12:51
